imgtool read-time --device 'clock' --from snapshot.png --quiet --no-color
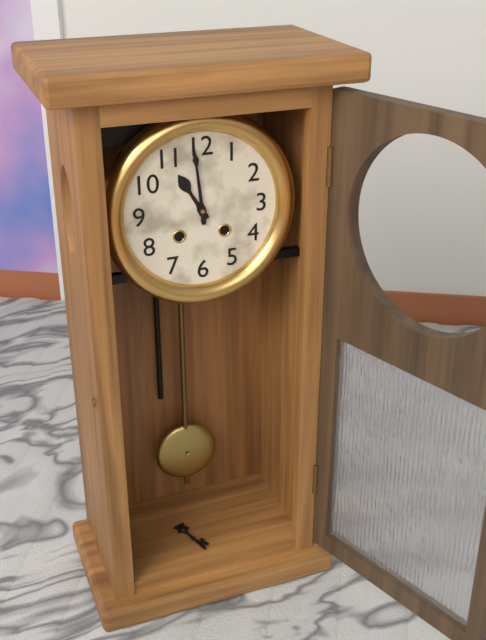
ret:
10:59
